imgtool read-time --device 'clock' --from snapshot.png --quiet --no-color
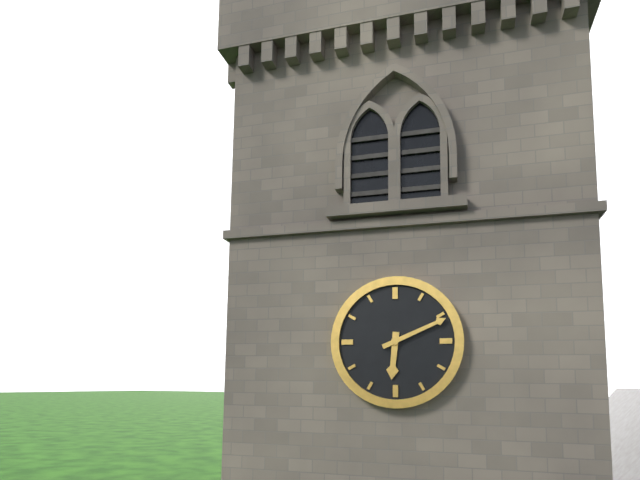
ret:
6:11
